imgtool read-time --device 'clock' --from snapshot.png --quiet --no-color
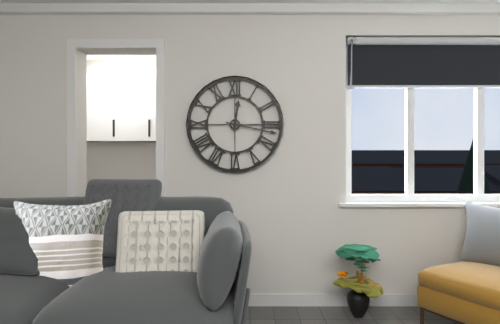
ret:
12:17
